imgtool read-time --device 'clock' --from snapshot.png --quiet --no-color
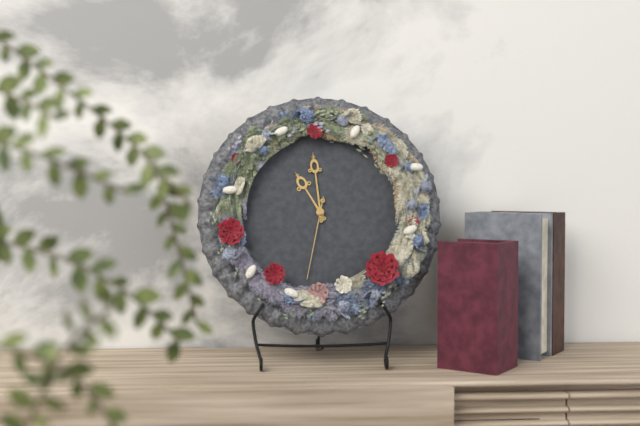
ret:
10:59:32
